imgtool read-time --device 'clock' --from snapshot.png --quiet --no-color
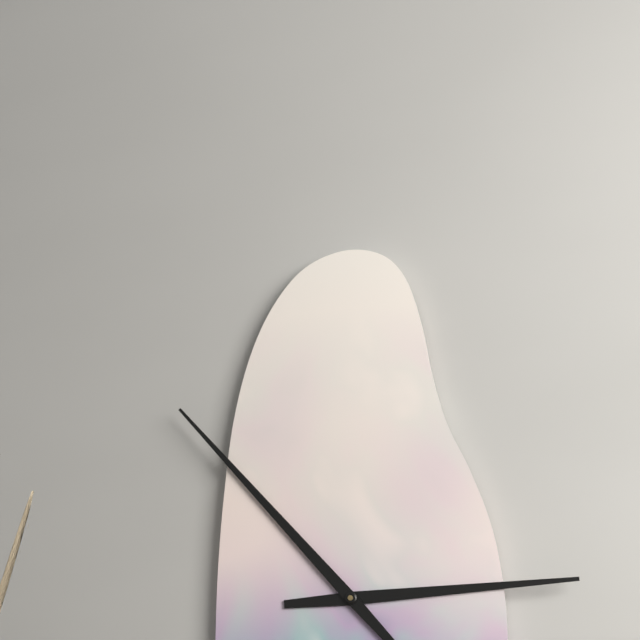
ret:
2:53
